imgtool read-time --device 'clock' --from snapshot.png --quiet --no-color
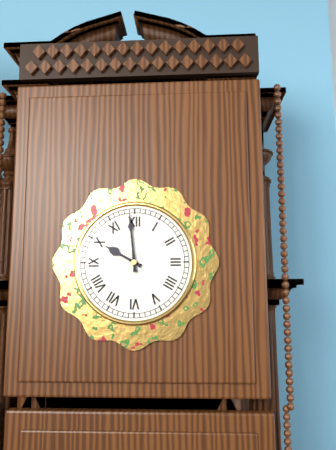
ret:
9:59
